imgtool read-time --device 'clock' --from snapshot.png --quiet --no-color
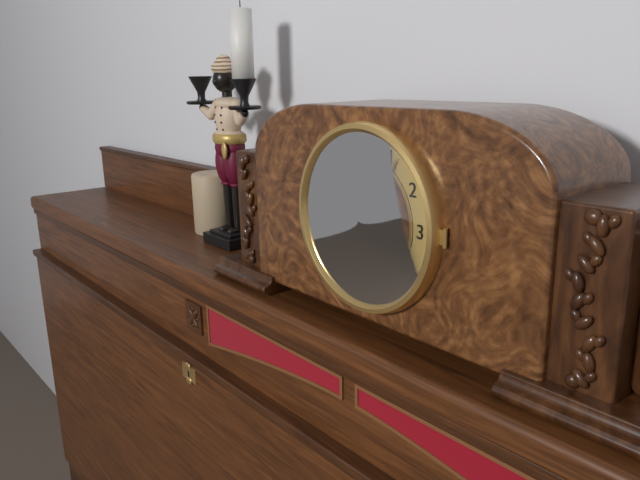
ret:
4:06
